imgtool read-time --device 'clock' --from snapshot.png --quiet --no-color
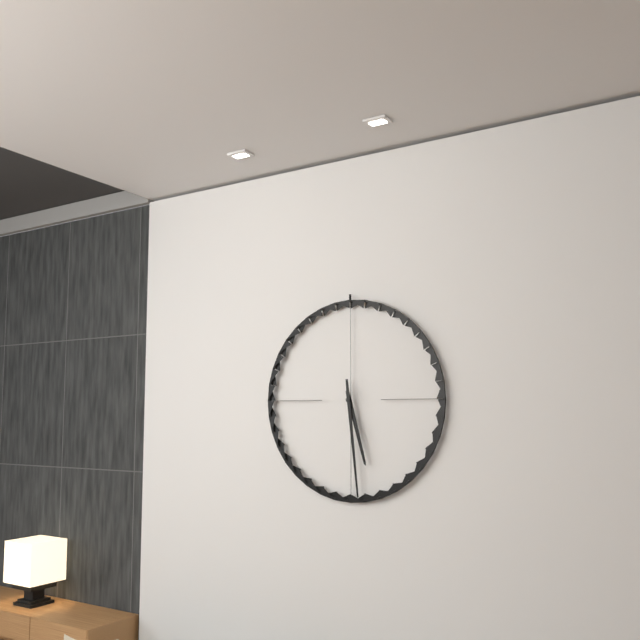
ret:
5:29
